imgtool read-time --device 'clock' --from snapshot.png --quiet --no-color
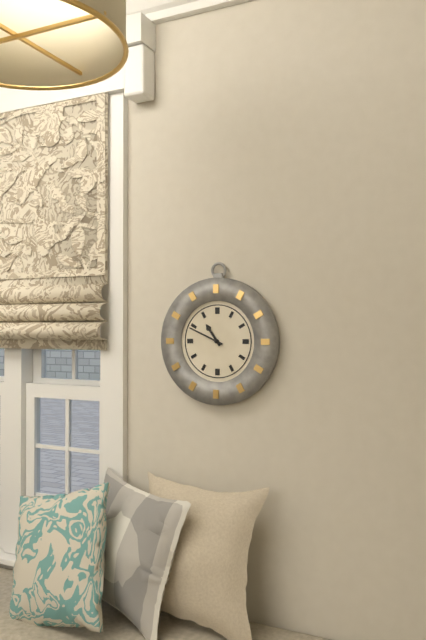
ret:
10:49
